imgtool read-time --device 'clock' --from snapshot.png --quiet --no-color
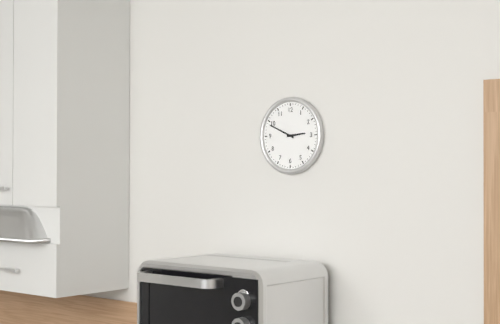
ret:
2:49
